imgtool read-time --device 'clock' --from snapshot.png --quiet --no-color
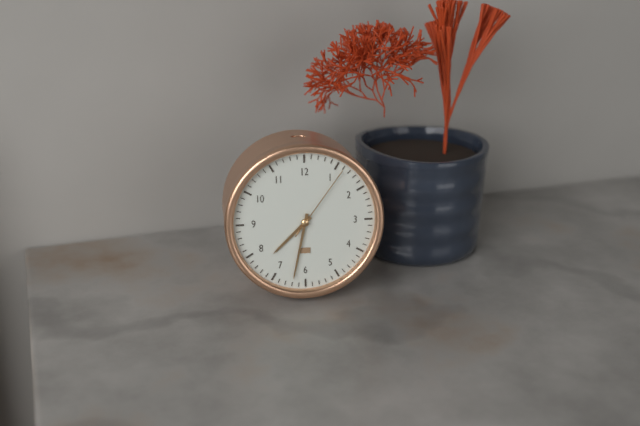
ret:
7:32:06
